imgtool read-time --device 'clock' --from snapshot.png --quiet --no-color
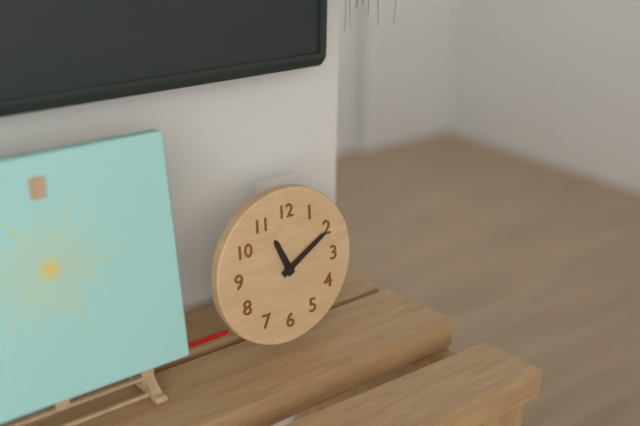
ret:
11:10
